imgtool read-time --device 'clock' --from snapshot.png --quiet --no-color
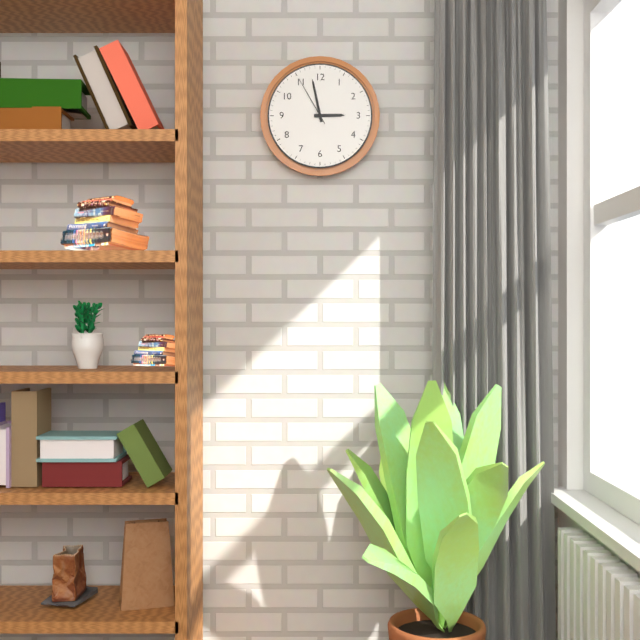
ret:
2:58:55
